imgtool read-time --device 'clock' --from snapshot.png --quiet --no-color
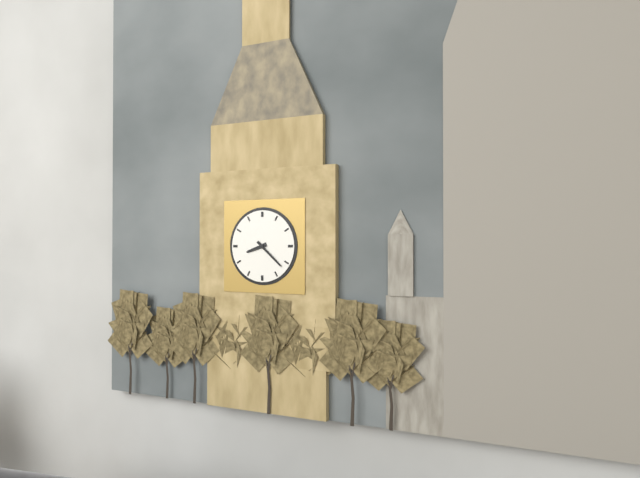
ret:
8:22
